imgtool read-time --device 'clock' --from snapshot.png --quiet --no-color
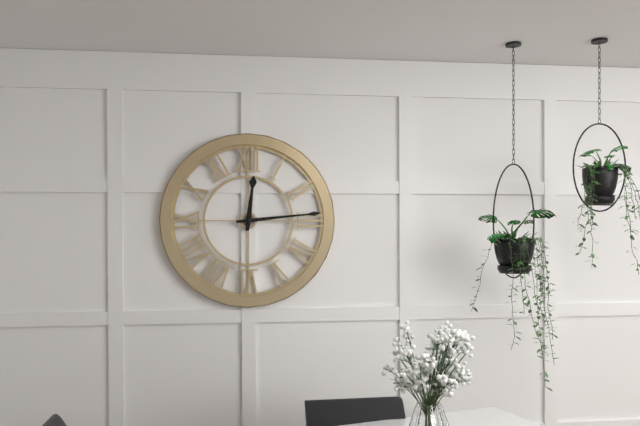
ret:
12:14
